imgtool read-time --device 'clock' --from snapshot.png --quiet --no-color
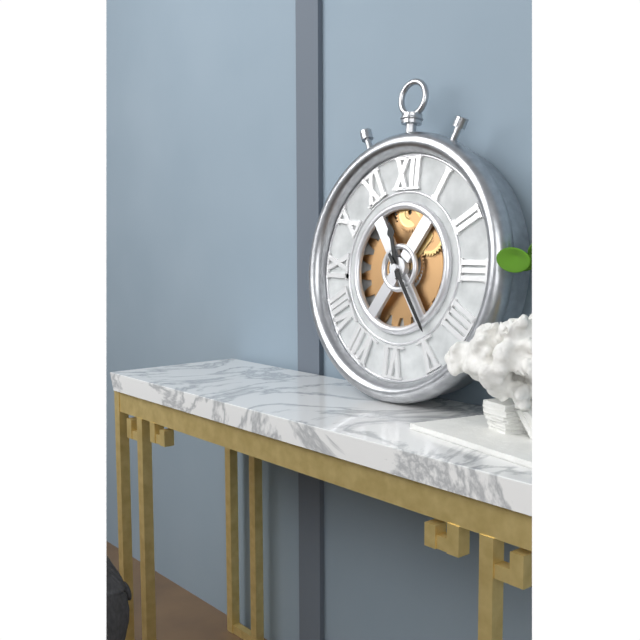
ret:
11:24
